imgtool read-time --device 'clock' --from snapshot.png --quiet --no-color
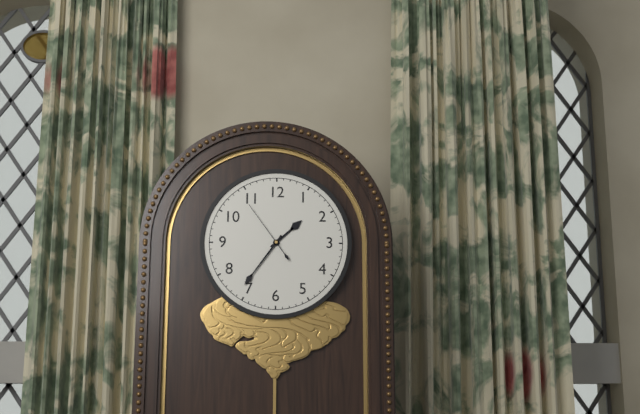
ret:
1:36:54
